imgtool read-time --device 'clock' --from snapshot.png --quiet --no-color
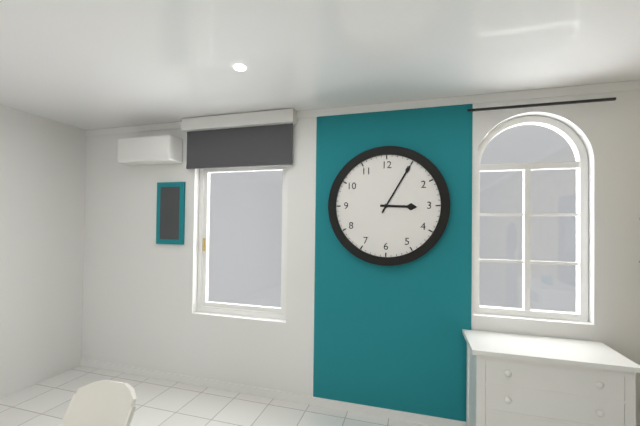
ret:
3:05
